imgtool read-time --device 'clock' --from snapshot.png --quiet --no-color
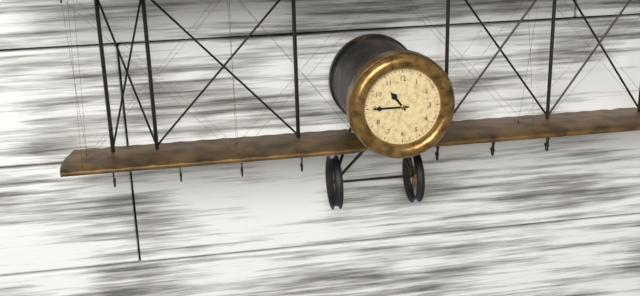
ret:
10:45
